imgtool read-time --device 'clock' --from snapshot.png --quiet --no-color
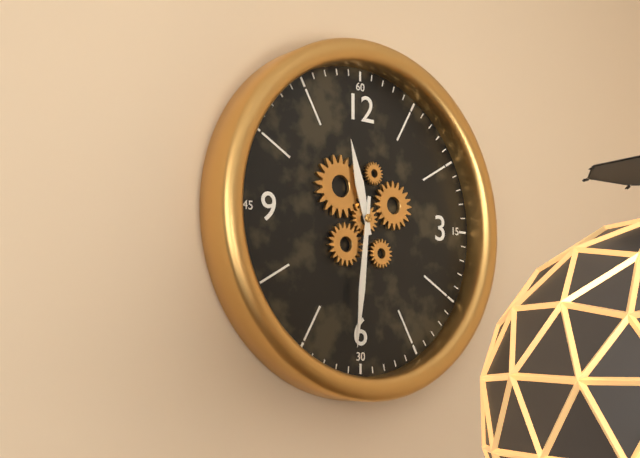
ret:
11:31
